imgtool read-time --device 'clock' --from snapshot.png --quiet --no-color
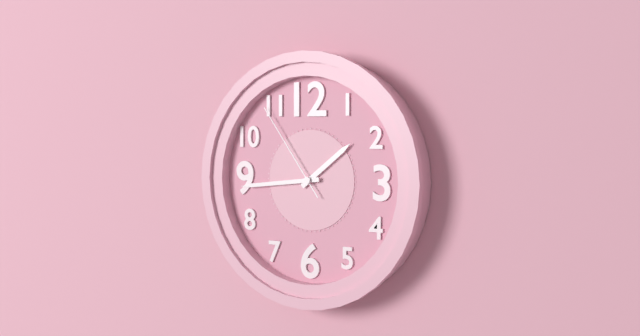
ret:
1:44:54
